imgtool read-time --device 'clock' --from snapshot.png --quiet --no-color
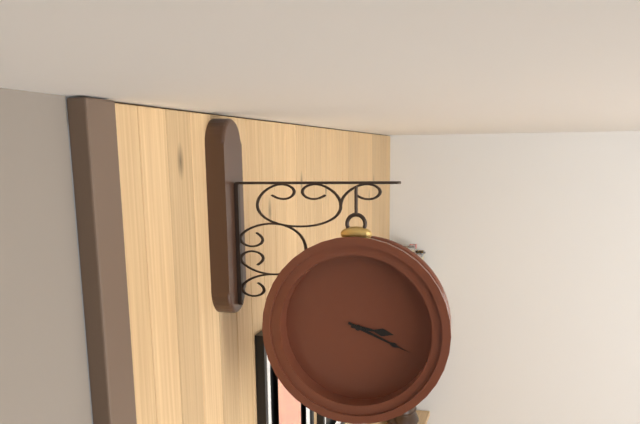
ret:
3:19
